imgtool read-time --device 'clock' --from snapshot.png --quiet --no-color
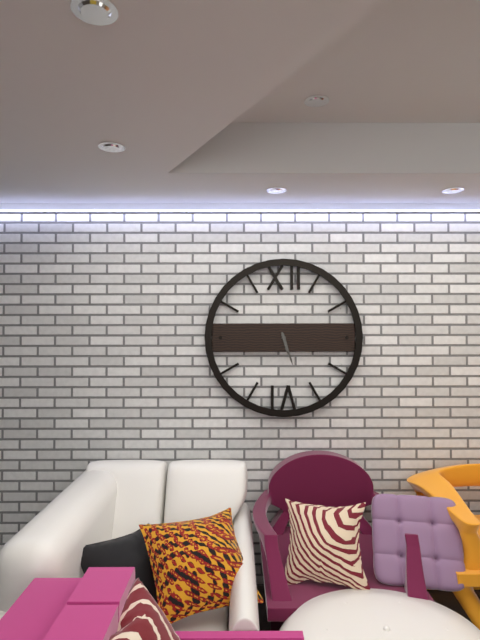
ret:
5:27
